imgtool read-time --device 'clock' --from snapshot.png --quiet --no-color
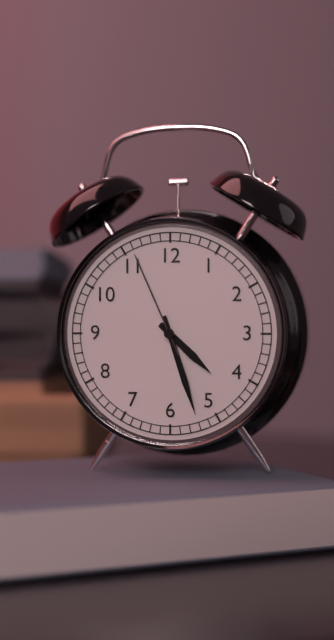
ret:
4:27:56
